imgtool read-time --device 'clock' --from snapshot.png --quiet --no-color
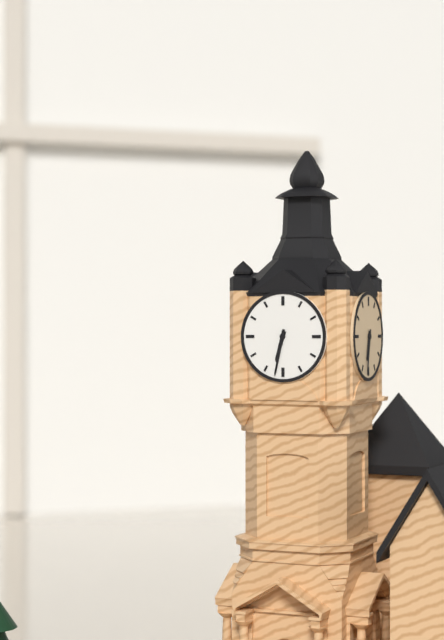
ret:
6:32
